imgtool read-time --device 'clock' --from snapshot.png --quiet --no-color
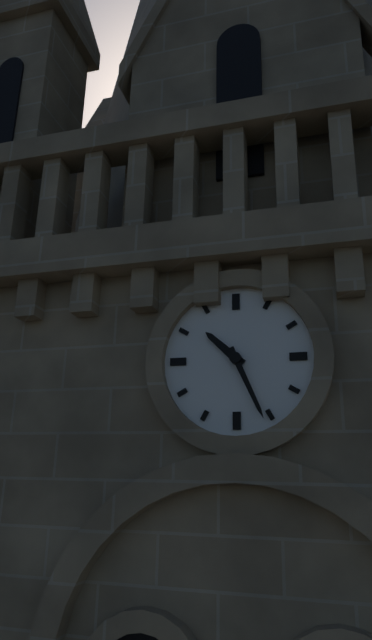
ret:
10:26
